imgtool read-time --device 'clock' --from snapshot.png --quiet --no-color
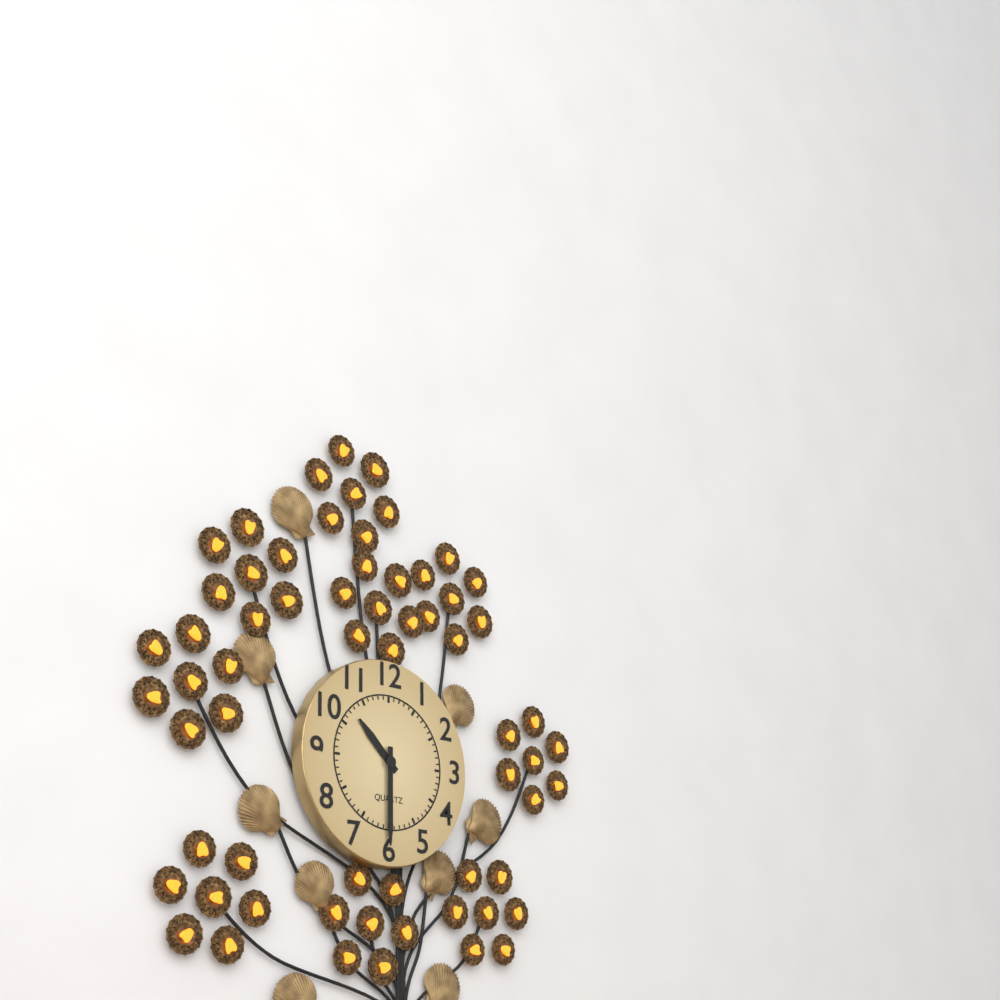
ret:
10:30
